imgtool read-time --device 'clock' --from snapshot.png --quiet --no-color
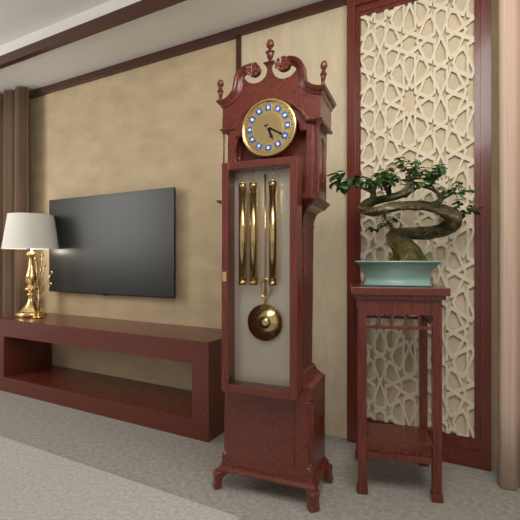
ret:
5:20
